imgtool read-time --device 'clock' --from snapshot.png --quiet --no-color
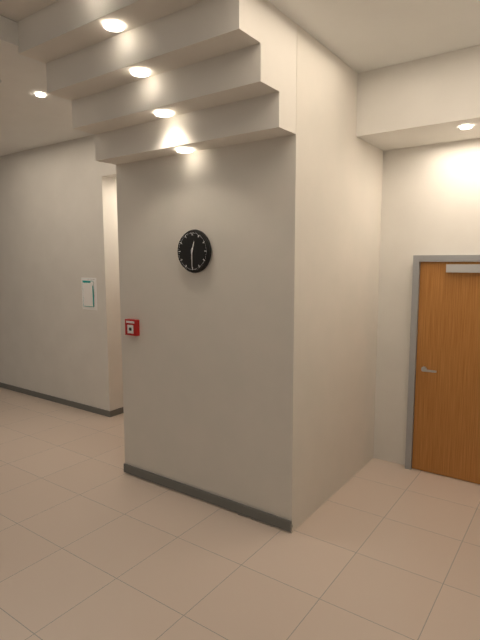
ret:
12:30
